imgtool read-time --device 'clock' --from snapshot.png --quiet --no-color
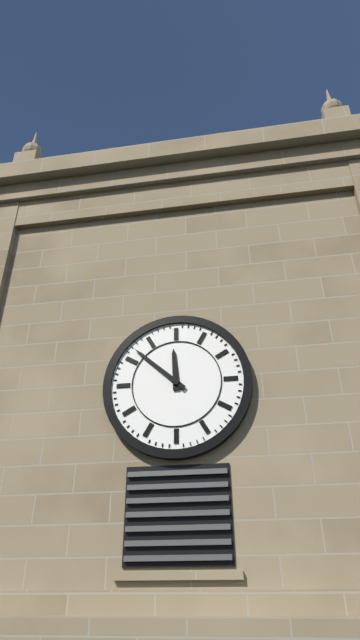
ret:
11:52
